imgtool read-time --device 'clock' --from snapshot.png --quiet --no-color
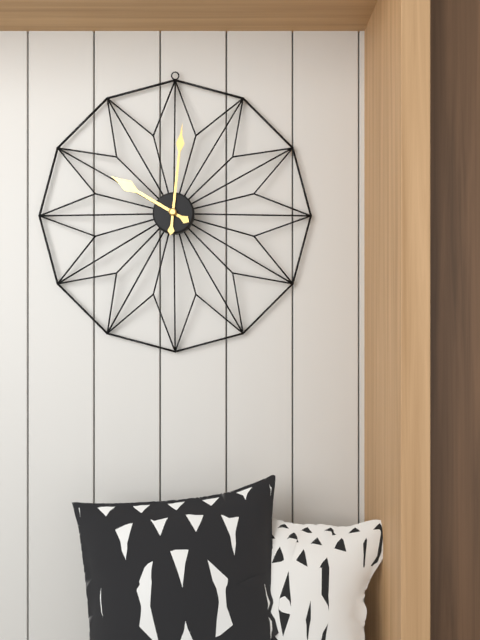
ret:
10:01
